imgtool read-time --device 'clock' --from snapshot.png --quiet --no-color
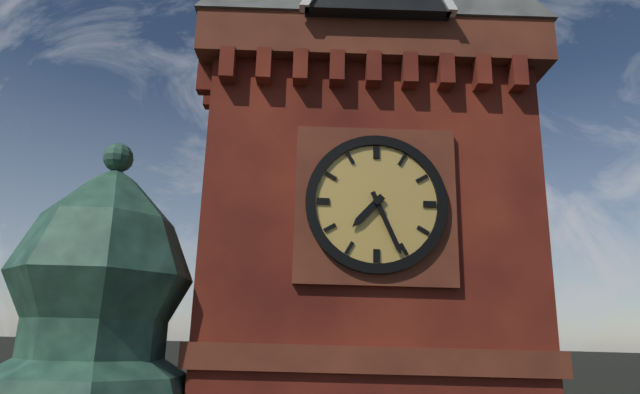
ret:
7:26
